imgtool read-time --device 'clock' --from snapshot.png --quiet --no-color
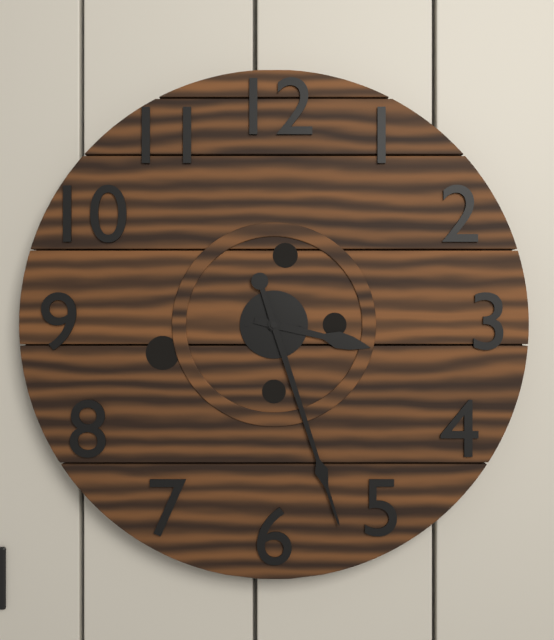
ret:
3:27
